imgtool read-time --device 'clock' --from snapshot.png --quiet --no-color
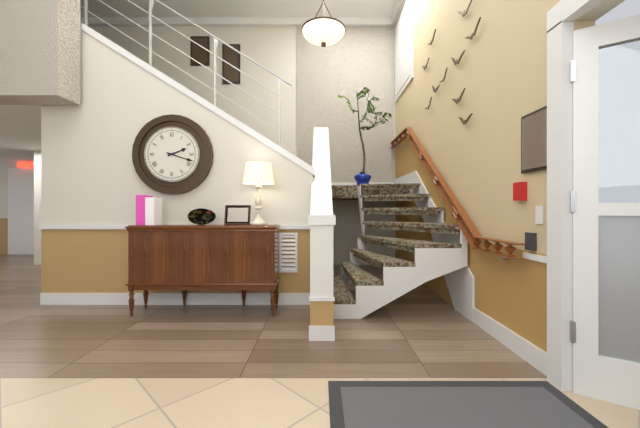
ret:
2:18
